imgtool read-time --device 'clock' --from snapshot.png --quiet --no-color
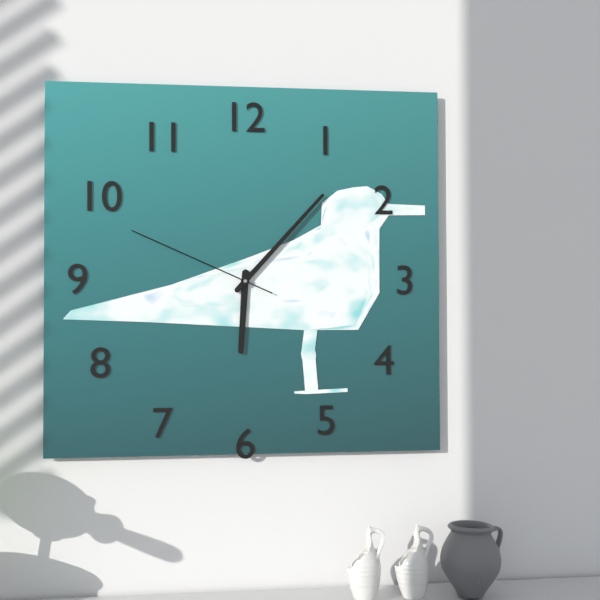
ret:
6:07:49
